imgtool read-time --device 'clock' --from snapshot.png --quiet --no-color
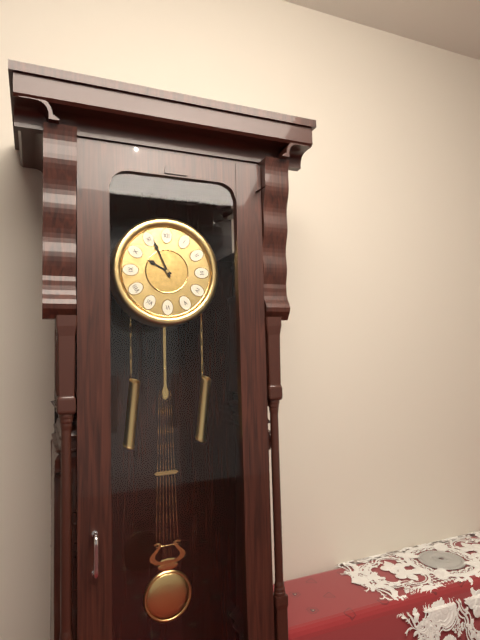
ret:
9:56
